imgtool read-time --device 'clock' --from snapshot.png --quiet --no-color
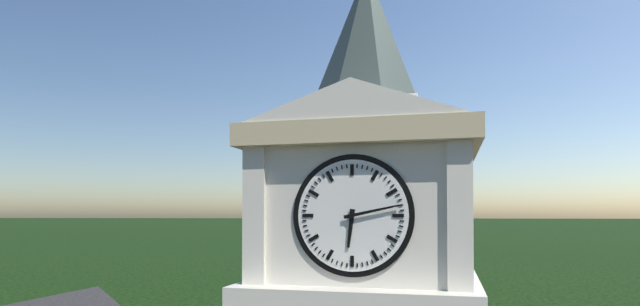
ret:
6:13
